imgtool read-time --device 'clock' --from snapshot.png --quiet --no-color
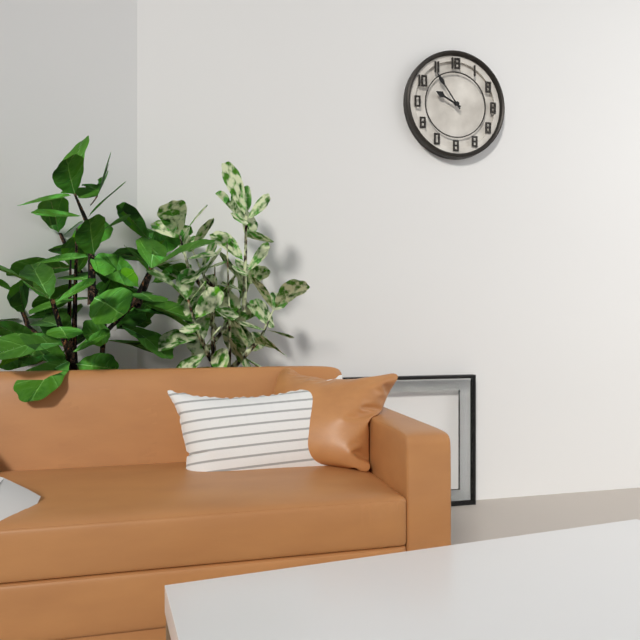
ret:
9:54
